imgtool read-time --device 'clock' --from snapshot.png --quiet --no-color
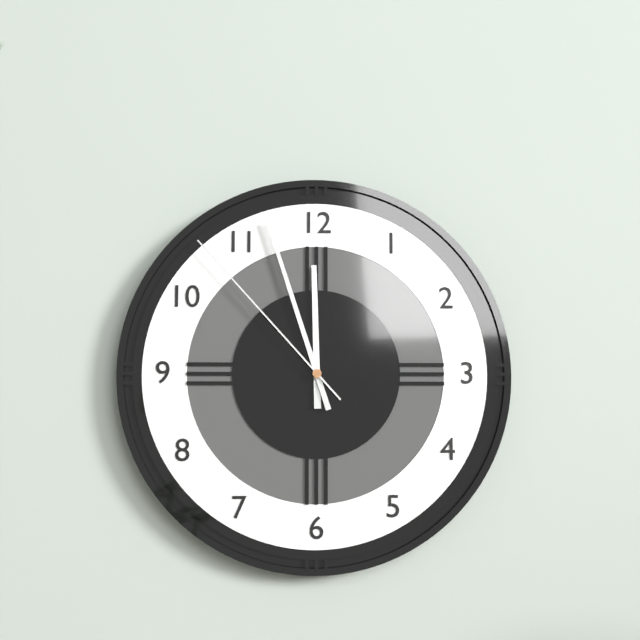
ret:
11:57:53
